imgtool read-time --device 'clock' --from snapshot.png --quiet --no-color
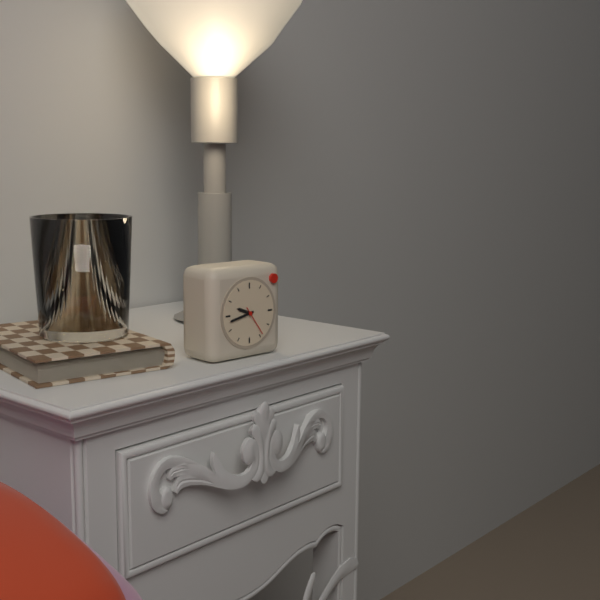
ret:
9:43
